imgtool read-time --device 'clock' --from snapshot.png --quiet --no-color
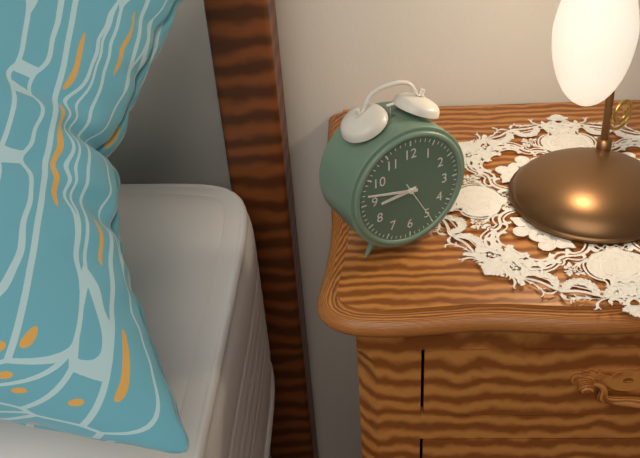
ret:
8:47
